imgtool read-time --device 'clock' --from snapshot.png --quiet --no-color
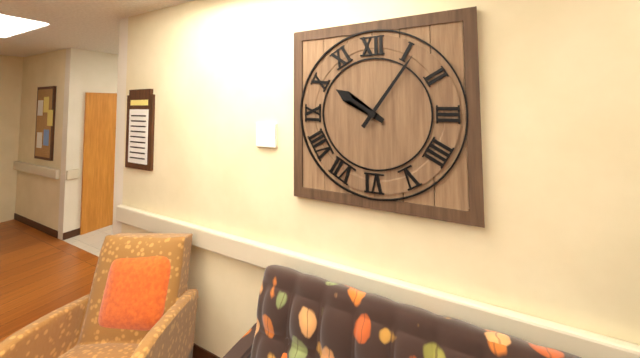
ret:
10:06
